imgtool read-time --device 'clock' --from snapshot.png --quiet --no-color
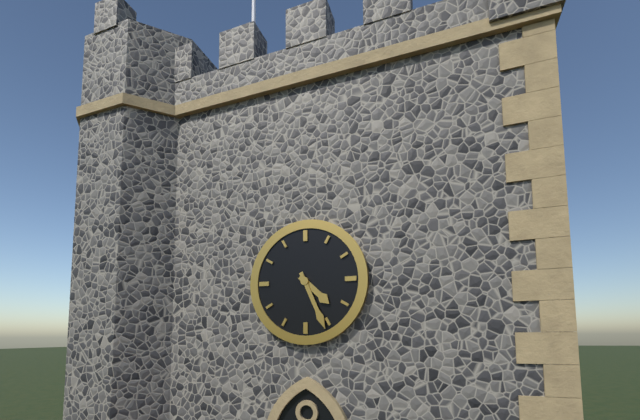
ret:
4:26
